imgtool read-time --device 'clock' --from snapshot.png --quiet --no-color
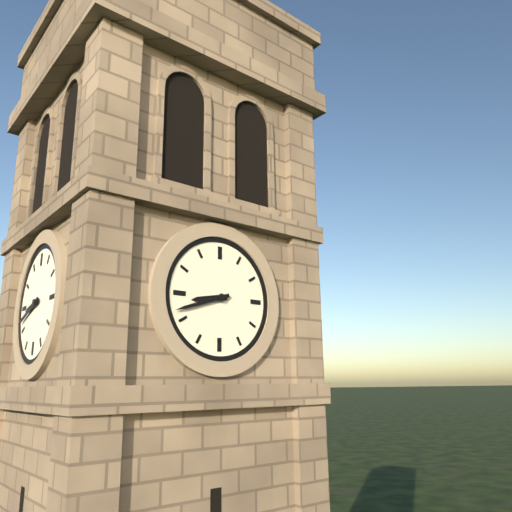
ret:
8:42
